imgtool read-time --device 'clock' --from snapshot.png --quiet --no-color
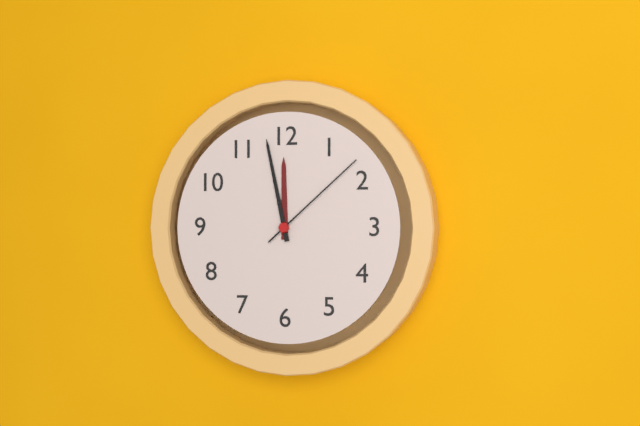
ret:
11:58:08
